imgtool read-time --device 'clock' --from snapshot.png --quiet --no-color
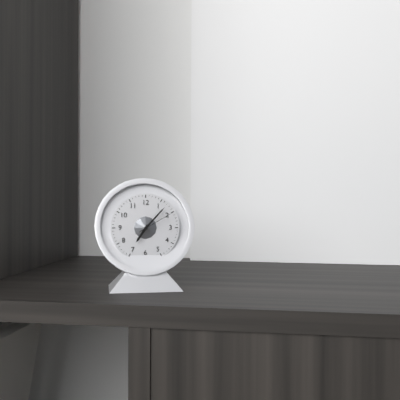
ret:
7:07
